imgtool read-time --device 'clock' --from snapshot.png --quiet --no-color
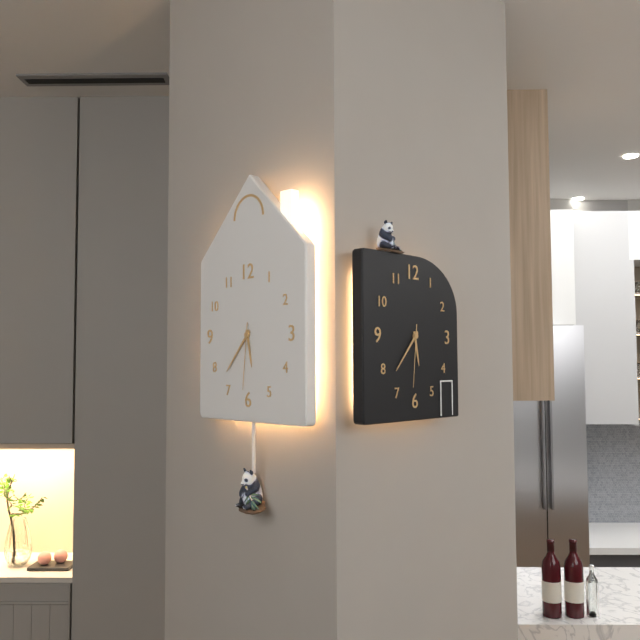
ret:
5:37:31
